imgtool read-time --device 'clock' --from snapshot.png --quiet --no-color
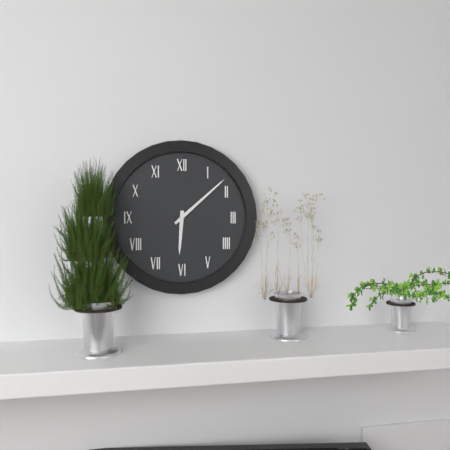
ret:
6:08
